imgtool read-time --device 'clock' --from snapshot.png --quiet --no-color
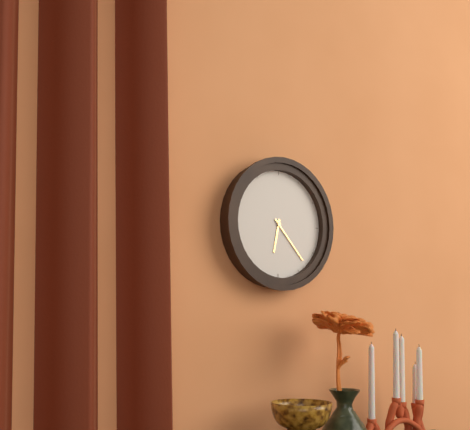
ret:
6:23
